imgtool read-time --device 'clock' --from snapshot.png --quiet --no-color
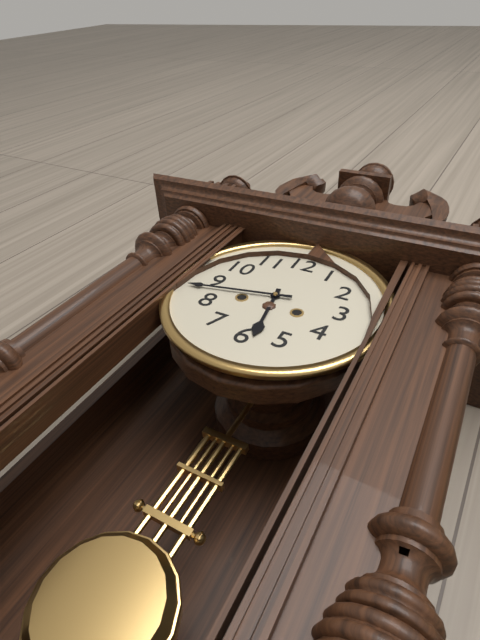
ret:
5:43
